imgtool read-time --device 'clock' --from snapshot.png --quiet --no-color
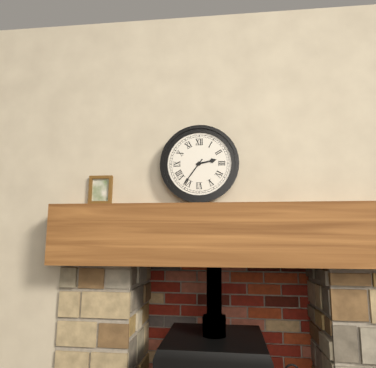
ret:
2:36
